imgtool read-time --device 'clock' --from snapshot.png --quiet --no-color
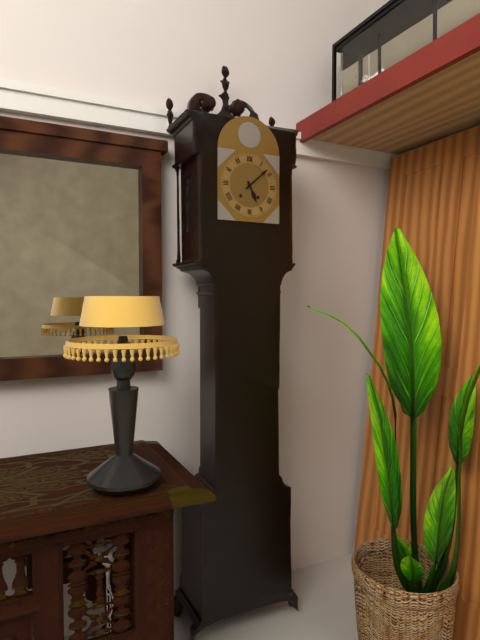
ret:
5:08
